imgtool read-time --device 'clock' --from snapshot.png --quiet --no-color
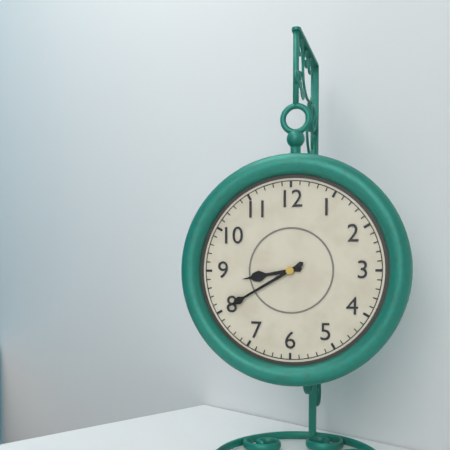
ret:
8:40
